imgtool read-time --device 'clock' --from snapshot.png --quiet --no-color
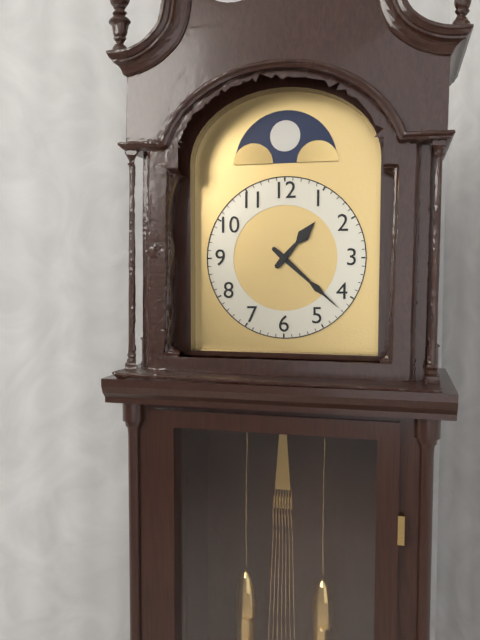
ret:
1:22
